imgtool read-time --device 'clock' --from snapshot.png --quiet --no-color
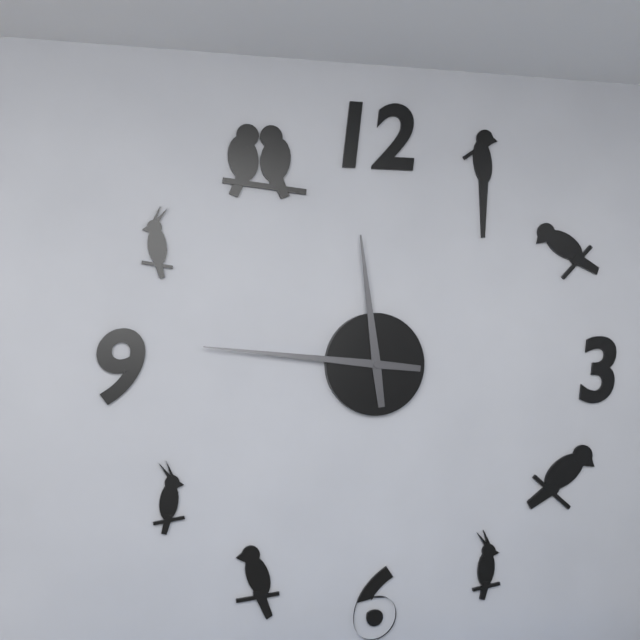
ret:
11:46
